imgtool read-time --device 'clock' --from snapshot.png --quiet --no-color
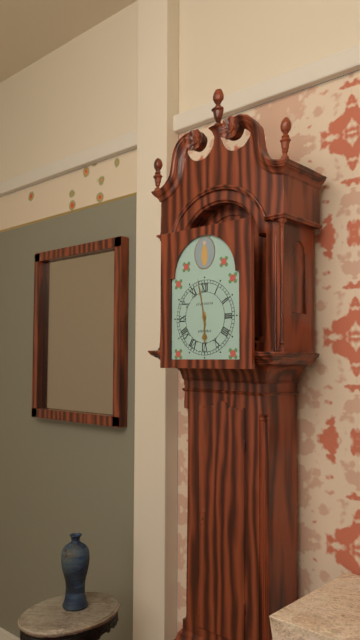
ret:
5:58
